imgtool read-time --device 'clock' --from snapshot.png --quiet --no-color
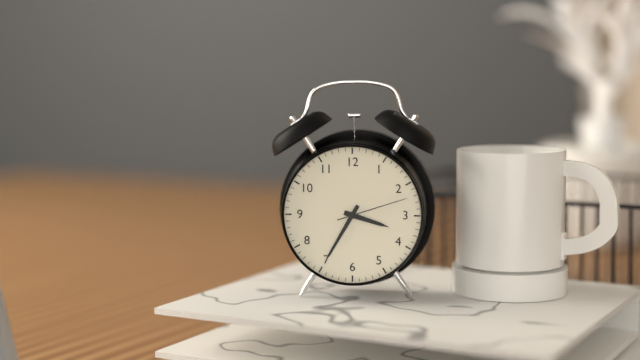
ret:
3:35:12
